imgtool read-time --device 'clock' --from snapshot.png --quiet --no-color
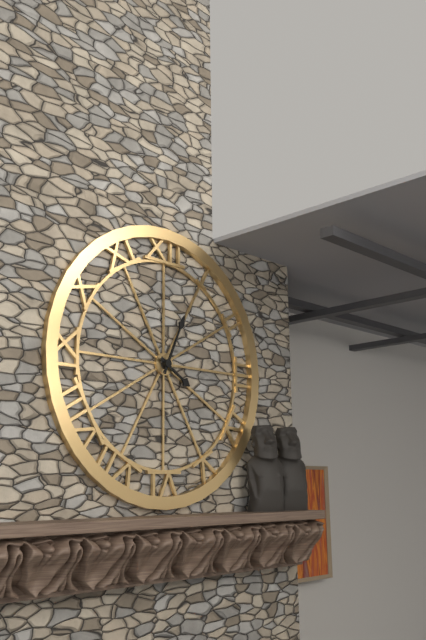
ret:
4:04
